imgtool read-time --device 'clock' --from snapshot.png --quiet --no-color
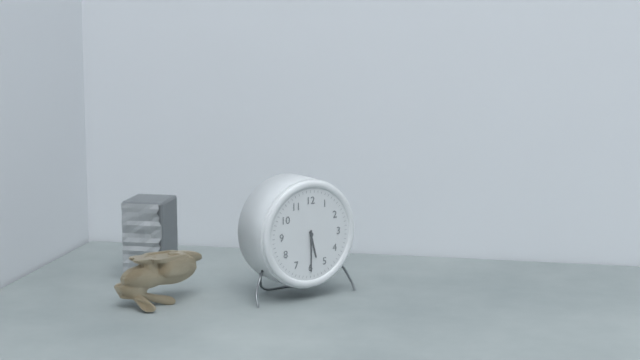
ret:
5:30
